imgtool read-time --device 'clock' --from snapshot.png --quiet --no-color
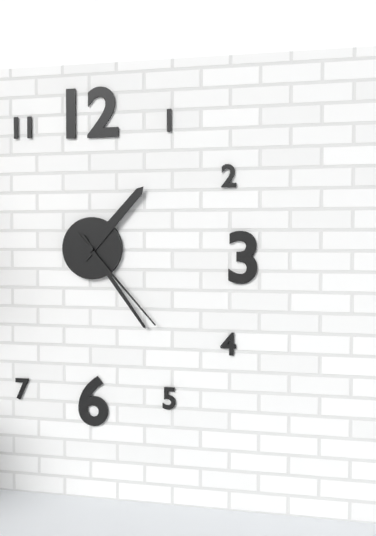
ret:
1:24:23
